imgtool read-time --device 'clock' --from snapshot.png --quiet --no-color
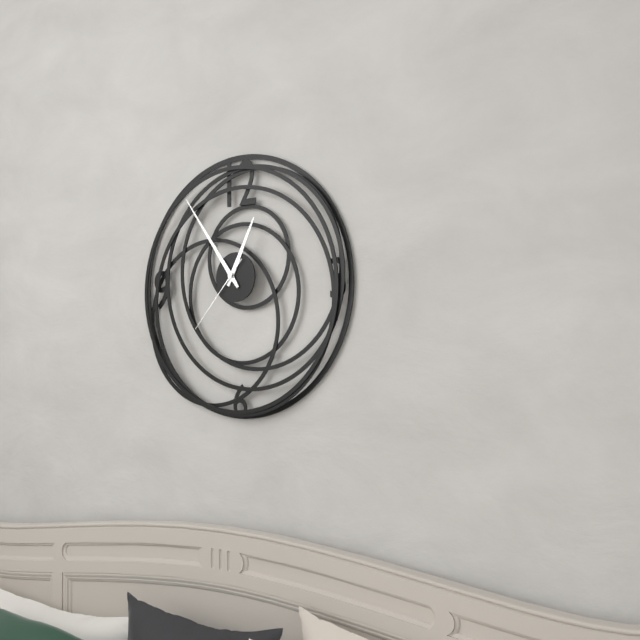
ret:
12:54:37
